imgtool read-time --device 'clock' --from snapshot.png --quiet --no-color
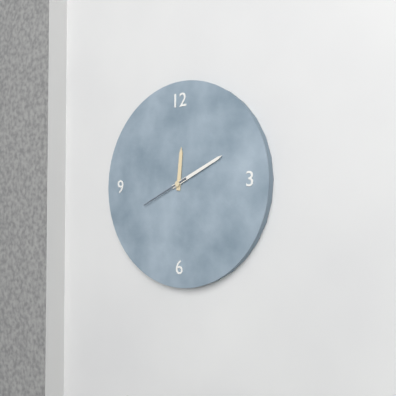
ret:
12:11
